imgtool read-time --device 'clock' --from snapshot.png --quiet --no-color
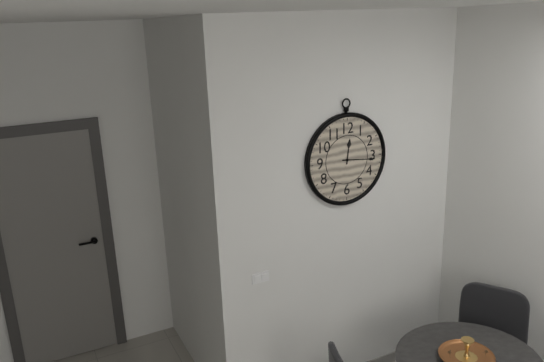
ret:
12:16
